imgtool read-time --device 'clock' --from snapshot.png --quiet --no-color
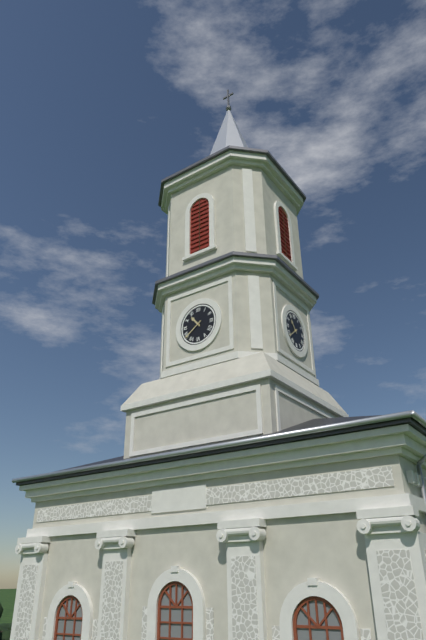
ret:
10:39
